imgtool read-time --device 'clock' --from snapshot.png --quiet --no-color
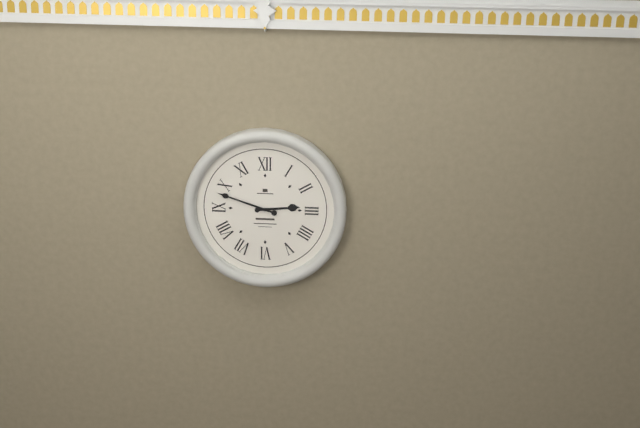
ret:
2:48
